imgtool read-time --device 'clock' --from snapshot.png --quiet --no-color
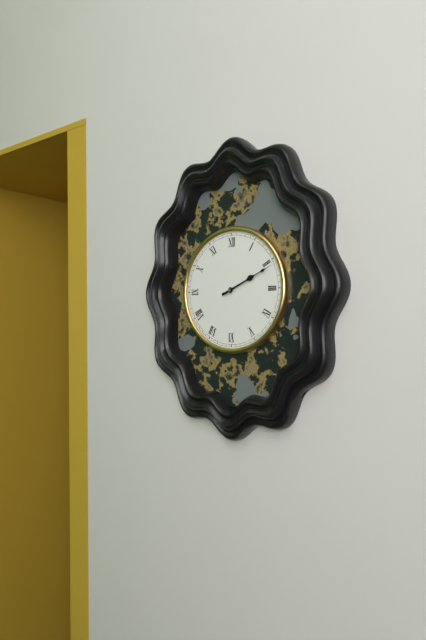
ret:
2:11
